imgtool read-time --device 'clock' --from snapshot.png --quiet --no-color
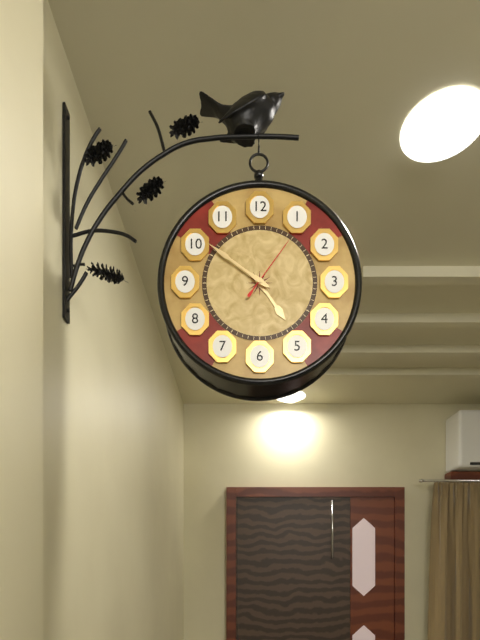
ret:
4:51:06
